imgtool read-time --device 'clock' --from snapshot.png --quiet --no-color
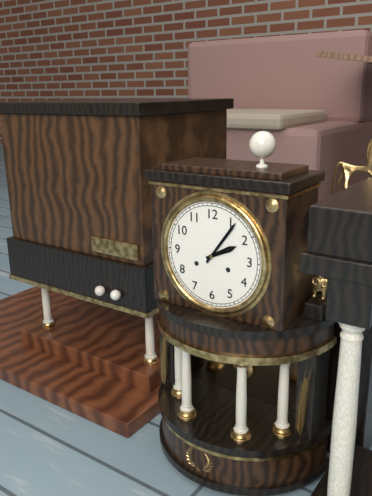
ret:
2:06
